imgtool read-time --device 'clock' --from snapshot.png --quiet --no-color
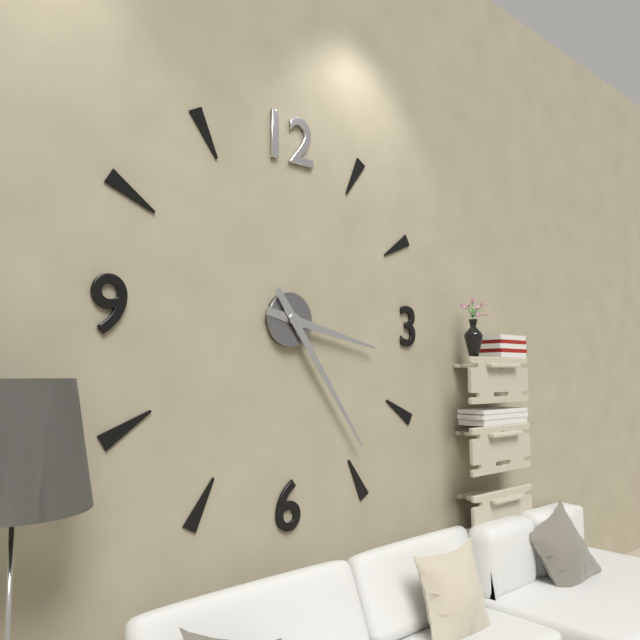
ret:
3:24
